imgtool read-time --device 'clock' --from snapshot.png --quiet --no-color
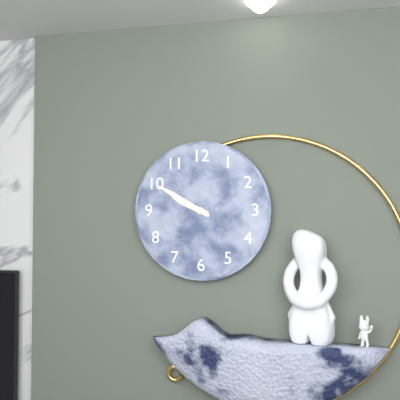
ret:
9:50
